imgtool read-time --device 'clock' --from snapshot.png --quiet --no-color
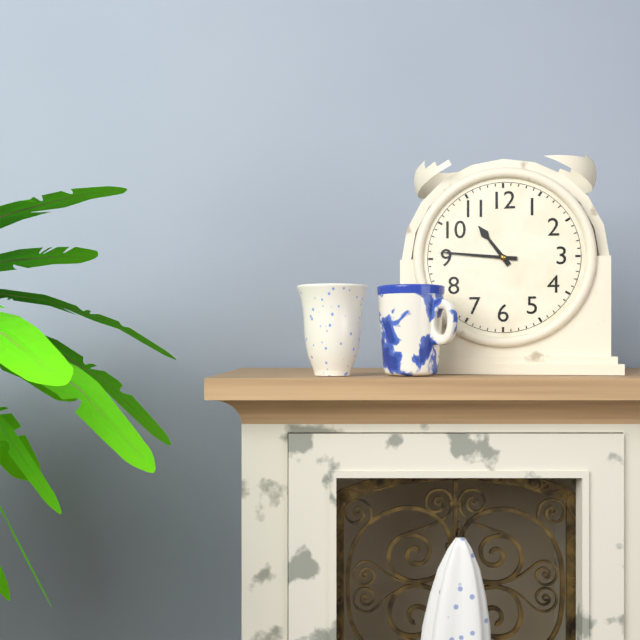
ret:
10:46
